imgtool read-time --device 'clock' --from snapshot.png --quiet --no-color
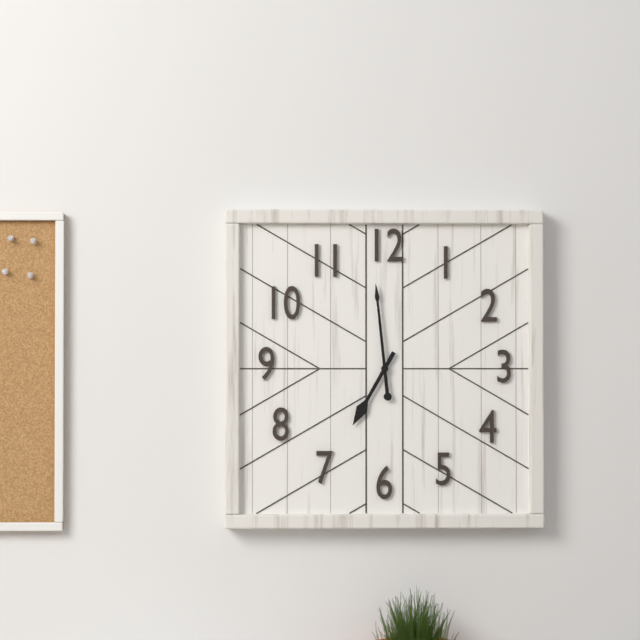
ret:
6:59
